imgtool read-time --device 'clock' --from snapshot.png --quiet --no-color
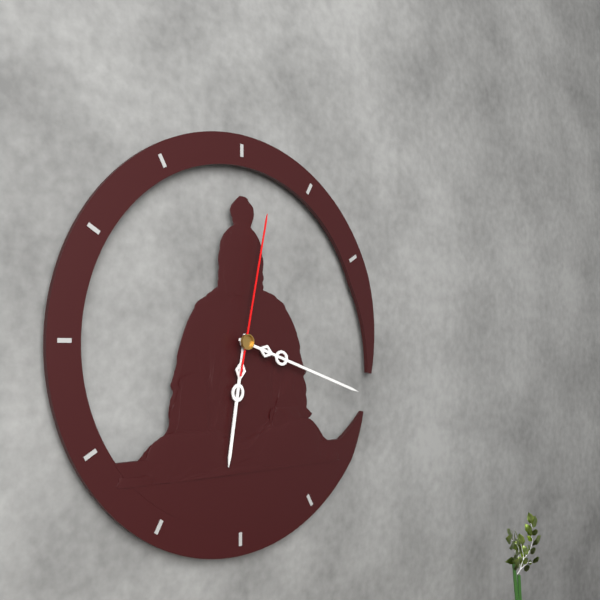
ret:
6:18:02
